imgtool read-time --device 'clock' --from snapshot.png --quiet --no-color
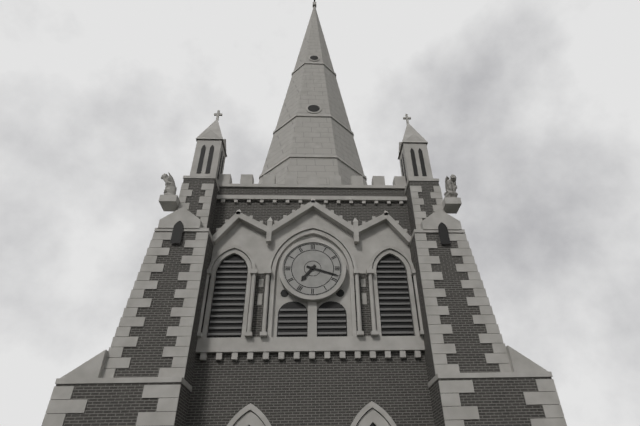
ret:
7:18
